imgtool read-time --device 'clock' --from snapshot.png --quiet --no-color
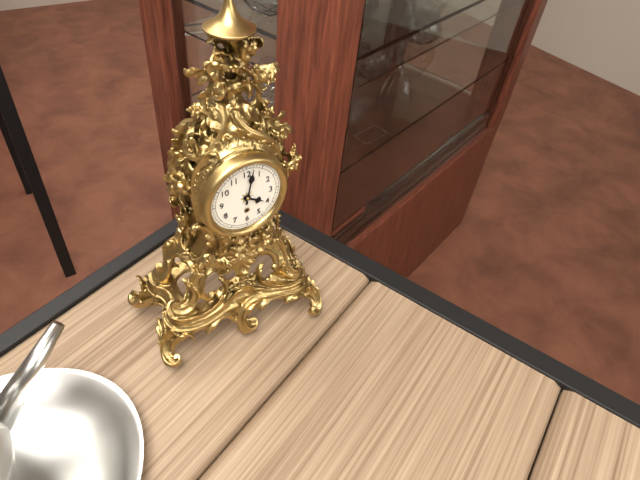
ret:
4:02
